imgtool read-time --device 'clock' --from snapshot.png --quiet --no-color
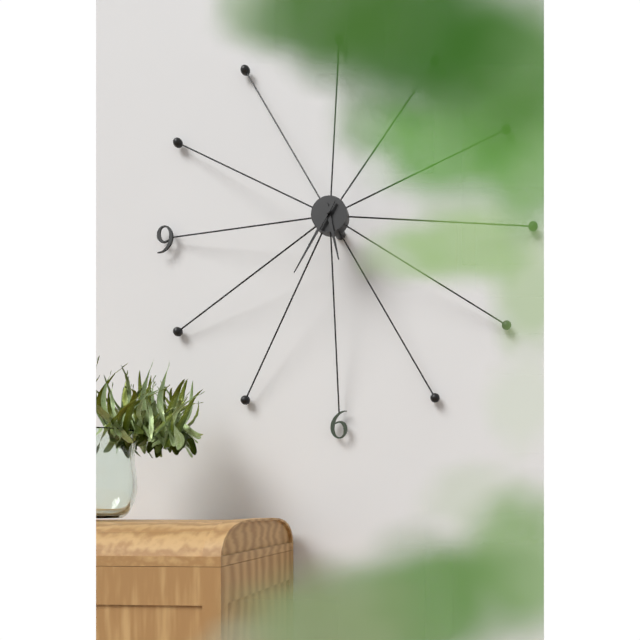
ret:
5:35
